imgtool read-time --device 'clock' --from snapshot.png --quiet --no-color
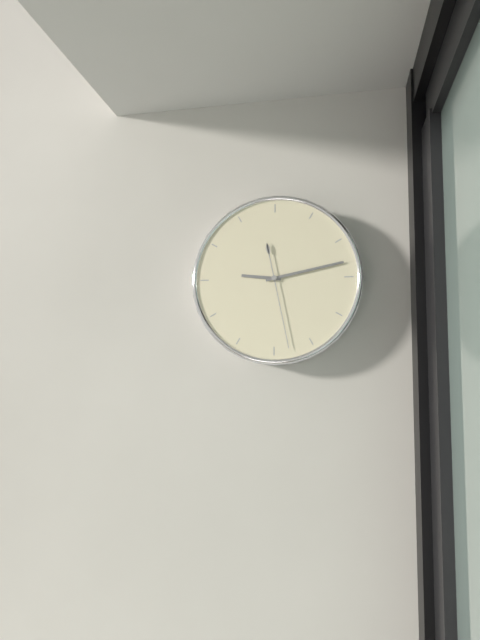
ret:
9:13:28
